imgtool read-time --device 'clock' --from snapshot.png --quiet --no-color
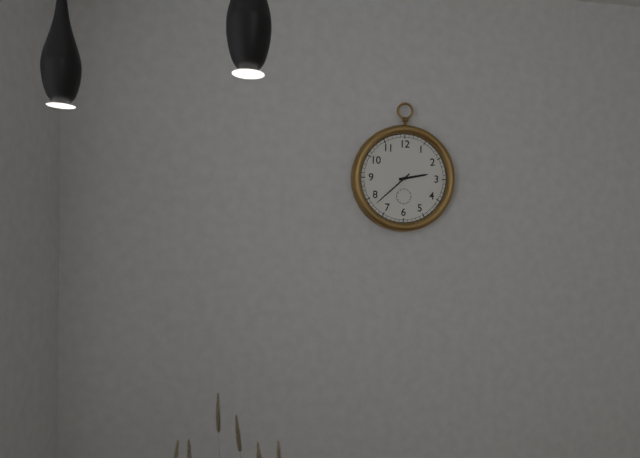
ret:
2:38
